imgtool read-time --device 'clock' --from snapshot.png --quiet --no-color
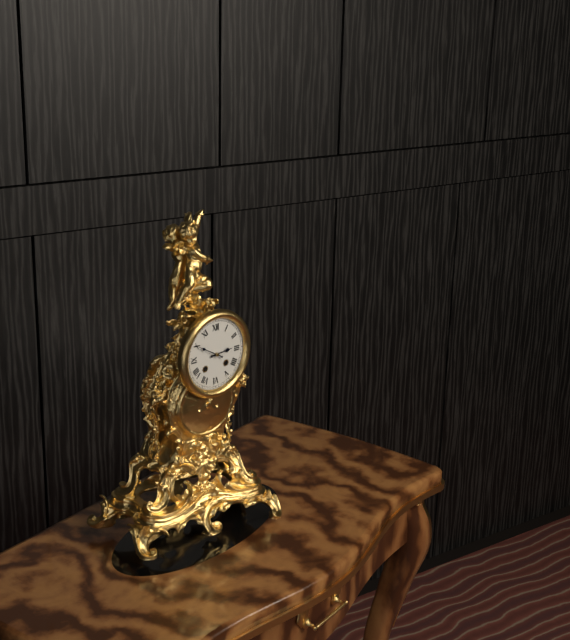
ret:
2:50
